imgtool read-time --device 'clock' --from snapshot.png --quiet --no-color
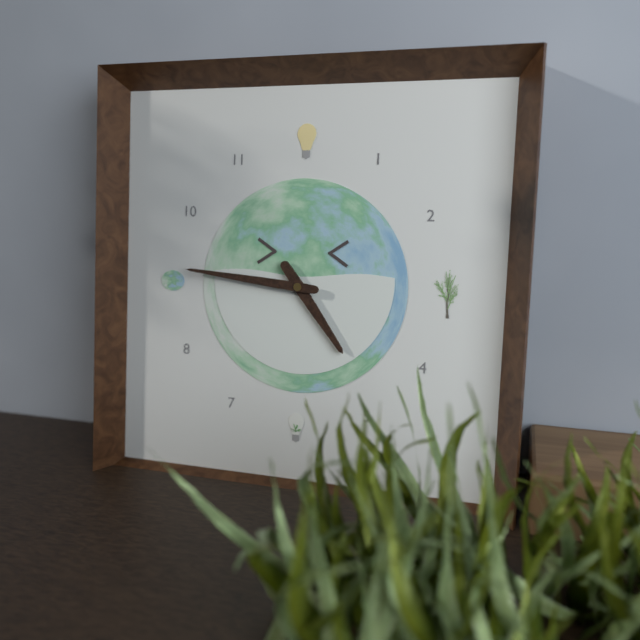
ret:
4:46
